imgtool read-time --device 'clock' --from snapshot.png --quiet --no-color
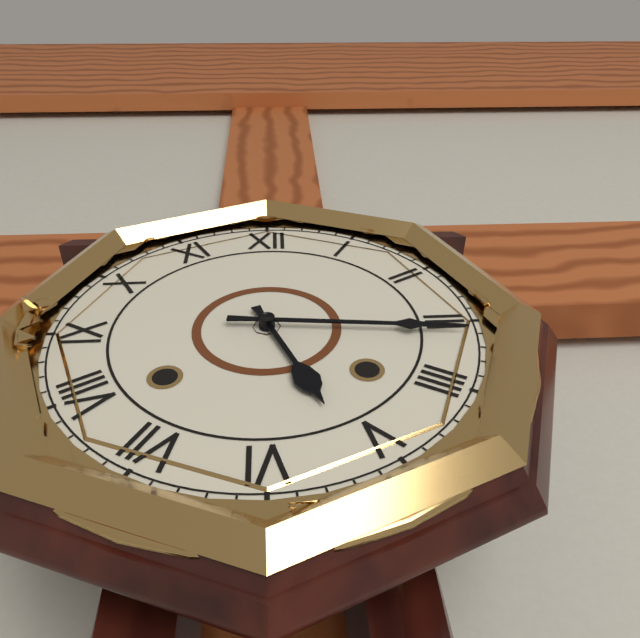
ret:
5:16
